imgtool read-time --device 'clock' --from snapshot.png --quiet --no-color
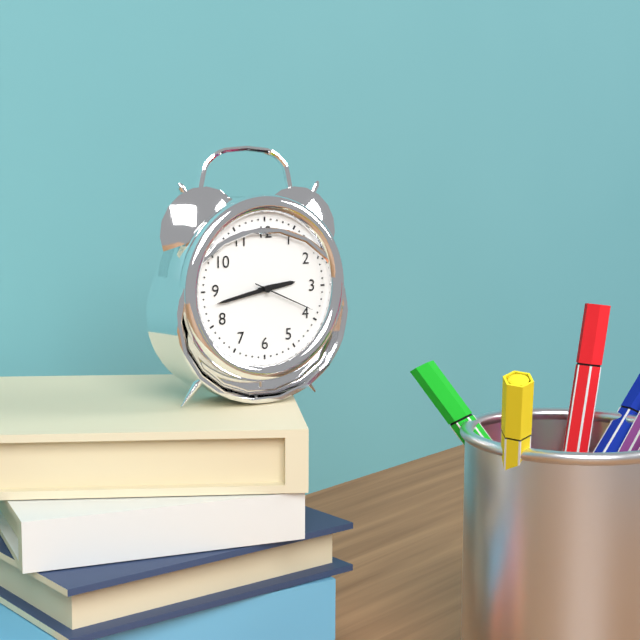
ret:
2:43:19
